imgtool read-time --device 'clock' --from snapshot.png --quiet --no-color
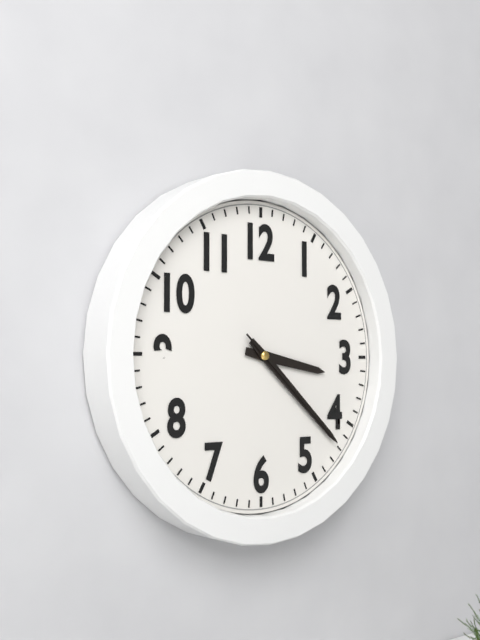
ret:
3:22:22
